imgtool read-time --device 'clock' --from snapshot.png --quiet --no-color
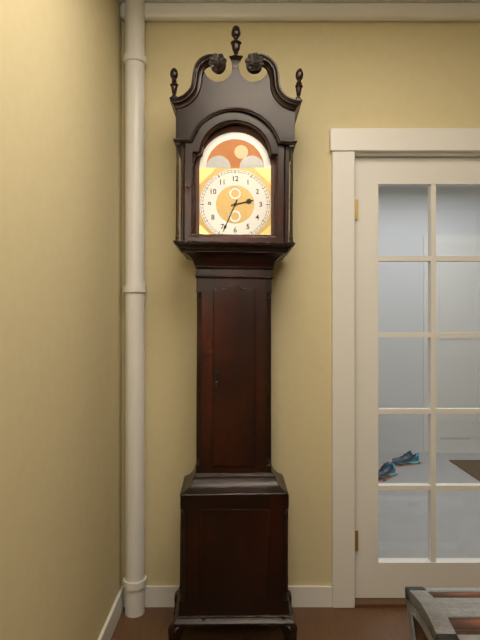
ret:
2:34
